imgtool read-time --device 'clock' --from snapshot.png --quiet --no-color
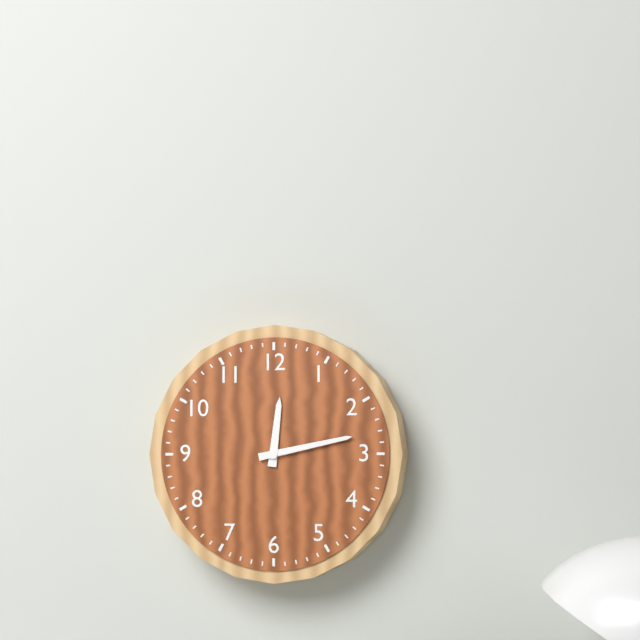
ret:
12:13
